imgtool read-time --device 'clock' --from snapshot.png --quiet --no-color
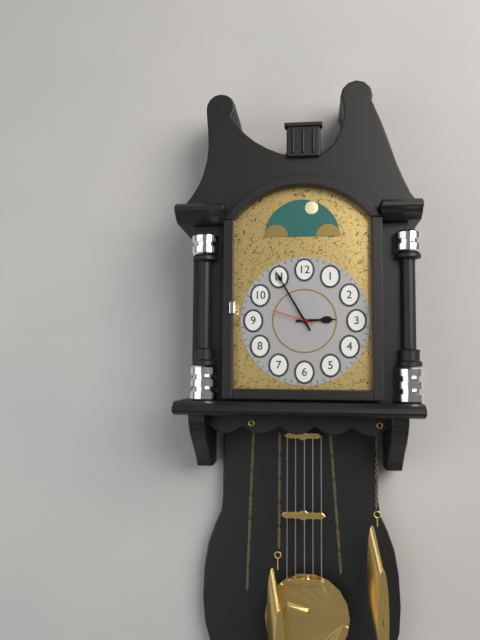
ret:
2:55
